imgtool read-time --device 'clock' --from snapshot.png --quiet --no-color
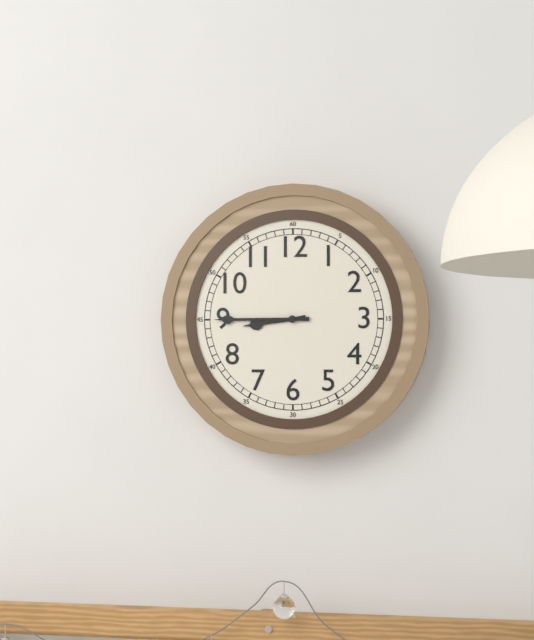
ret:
8:45
